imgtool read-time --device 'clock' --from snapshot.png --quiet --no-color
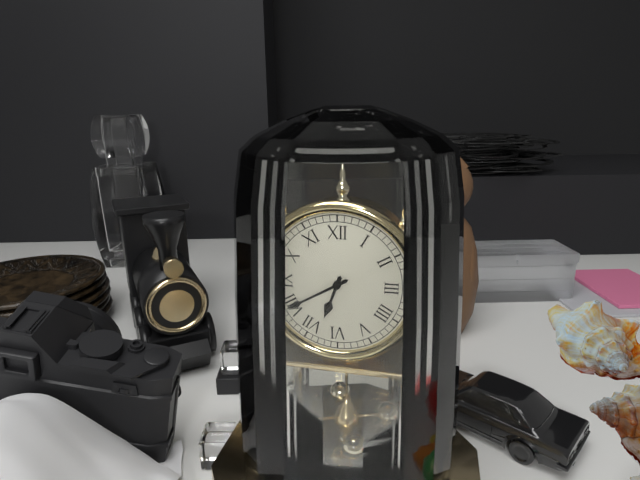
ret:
6:40
